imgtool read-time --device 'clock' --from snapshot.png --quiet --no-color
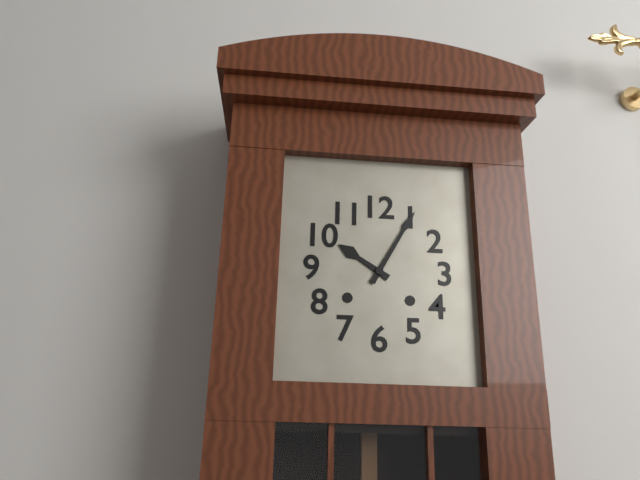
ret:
10:05
